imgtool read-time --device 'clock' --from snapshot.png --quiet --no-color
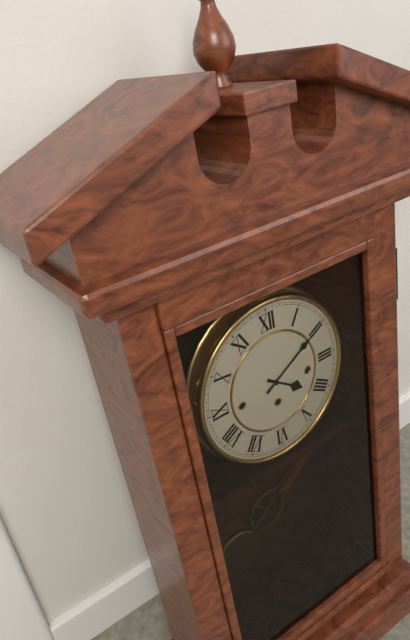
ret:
4:10
